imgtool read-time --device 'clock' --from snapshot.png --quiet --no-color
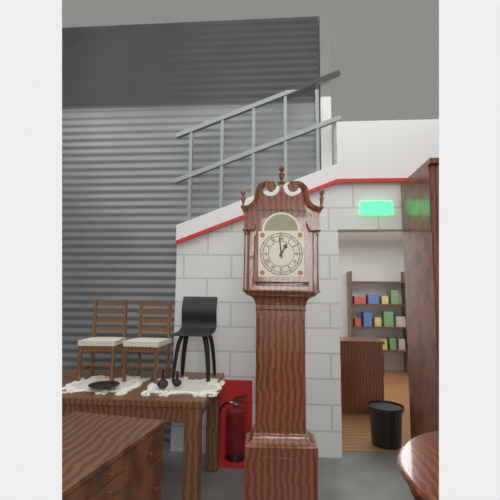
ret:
12:59
